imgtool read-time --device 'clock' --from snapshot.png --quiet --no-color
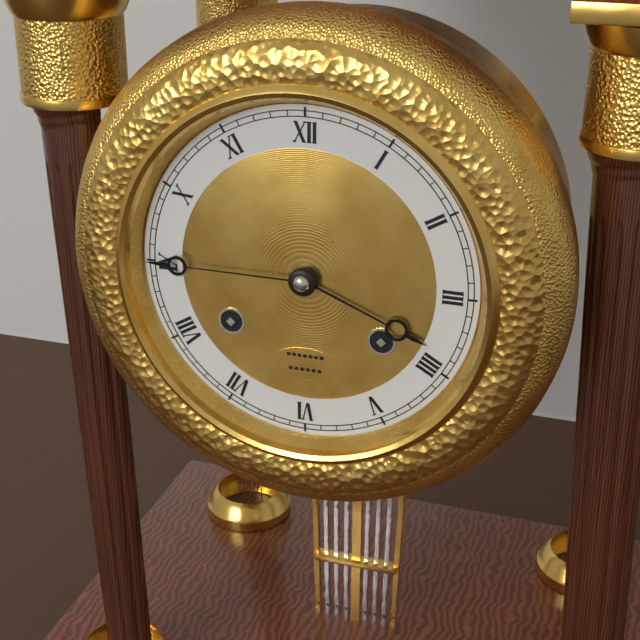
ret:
3:45
